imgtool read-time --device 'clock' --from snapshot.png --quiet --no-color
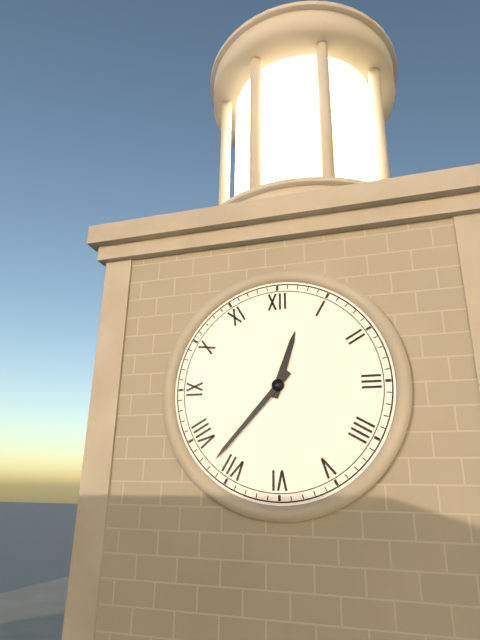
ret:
12:37
